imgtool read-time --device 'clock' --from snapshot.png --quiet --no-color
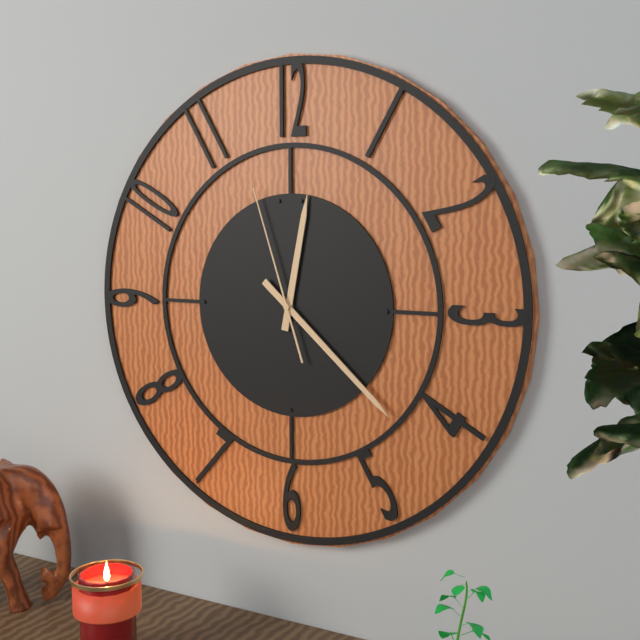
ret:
12:22:57
